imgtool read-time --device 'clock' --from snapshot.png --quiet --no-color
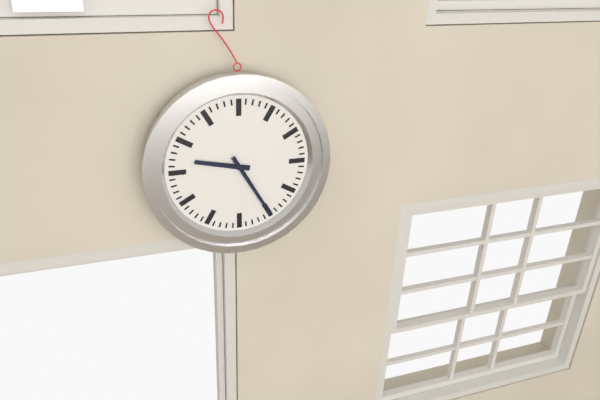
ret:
9:25
